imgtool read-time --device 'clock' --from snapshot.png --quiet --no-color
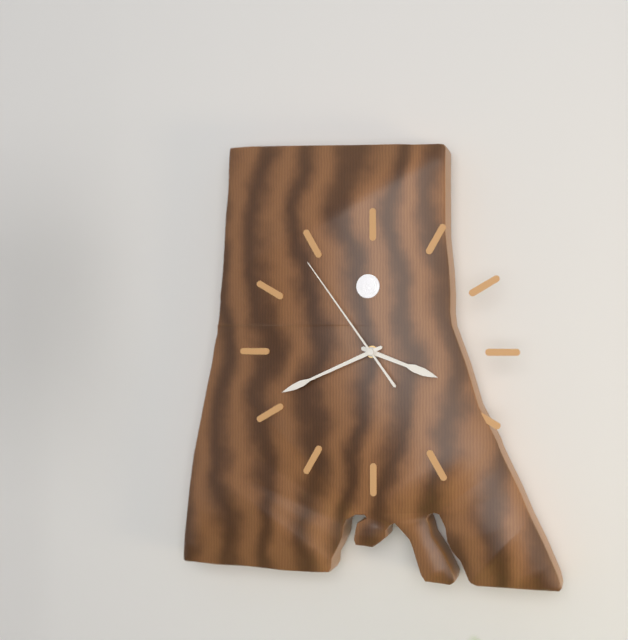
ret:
3:41:54
